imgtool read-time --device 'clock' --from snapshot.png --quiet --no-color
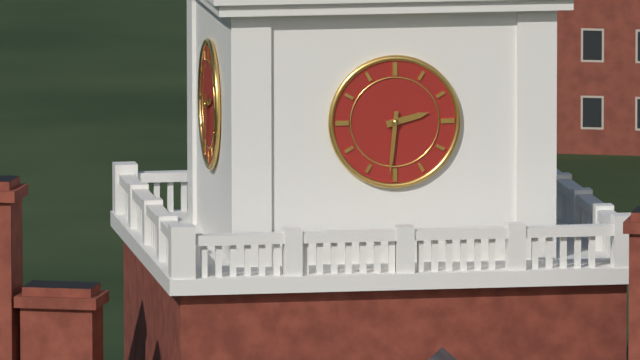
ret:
2:31
